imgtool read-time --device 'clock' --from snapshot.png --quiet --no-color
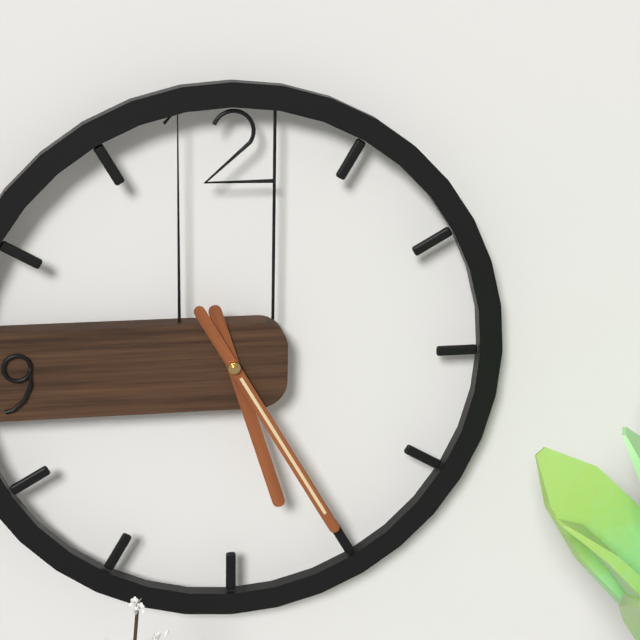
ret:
5:25
